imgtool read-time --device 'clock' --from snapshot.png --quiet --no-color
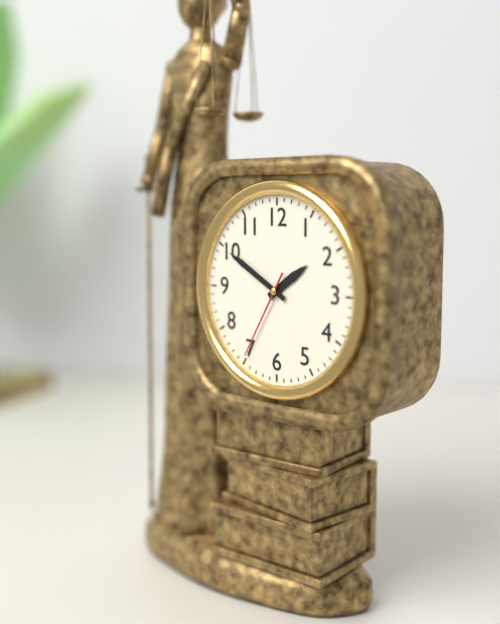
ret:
1:50:35
